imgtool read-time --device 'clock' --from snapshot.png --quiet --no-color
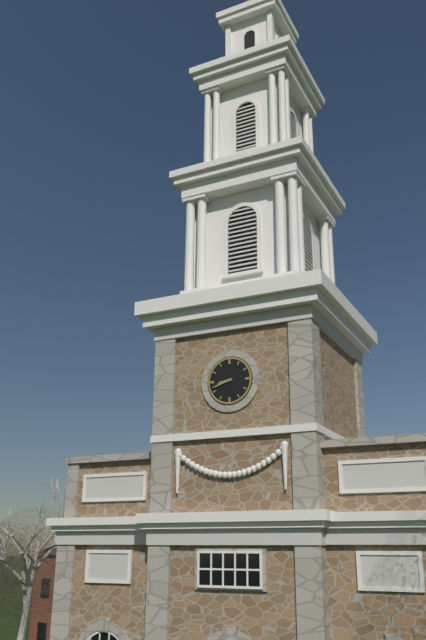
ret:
8:42
